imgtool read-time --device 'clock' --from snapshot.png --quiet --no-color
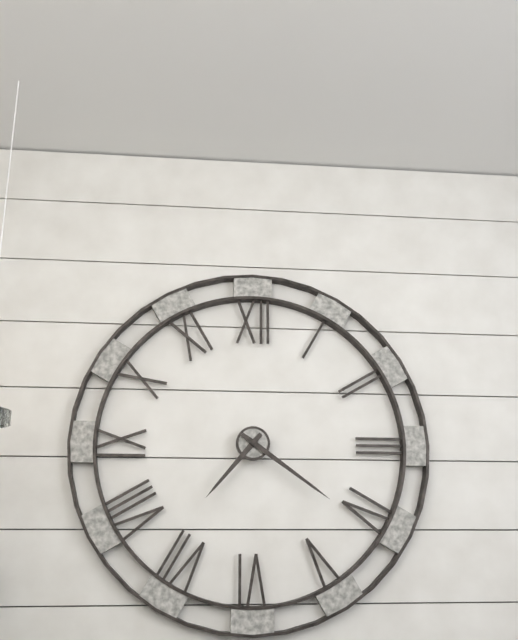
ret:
7:21
